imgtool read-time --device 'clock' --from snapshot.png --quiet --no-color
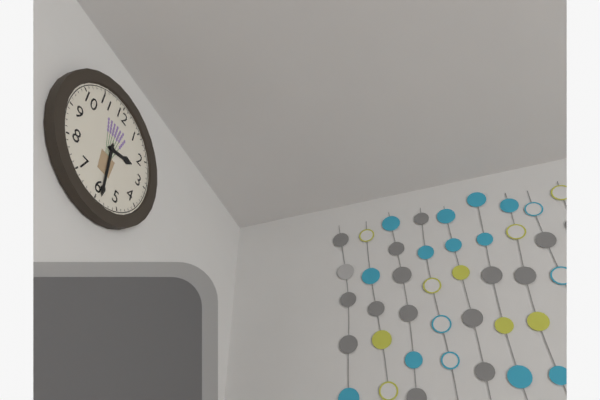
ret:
2:29
